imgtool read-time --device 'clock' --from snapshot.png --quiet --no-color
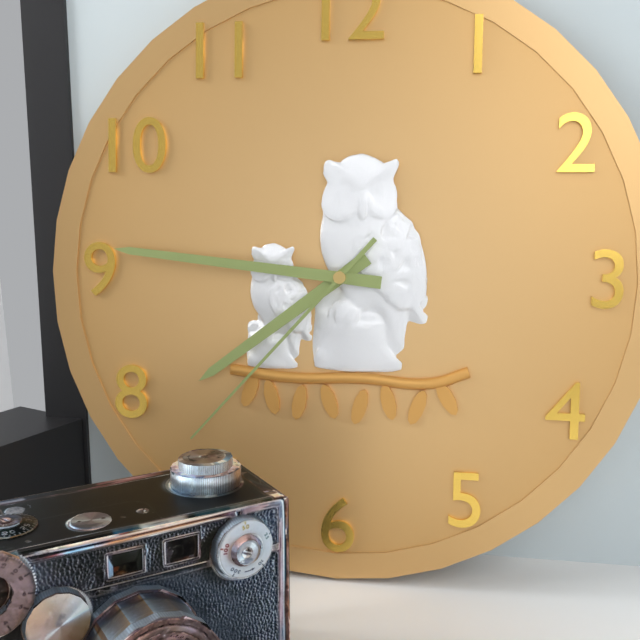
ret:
7:46:37
